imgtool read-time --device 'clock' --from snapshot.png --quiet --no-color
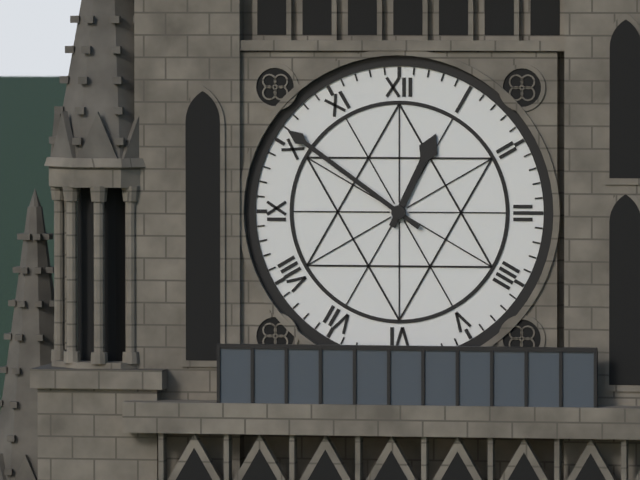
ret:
12:51
